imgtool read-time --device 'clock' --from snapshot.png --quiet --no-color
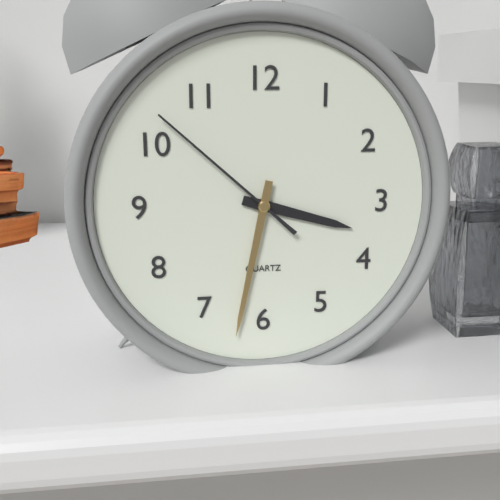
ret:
3:32:52
